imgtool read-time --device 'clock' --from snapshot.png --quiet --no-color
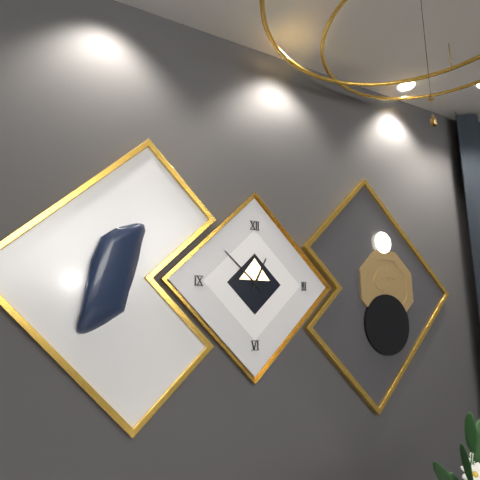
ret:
12:52
